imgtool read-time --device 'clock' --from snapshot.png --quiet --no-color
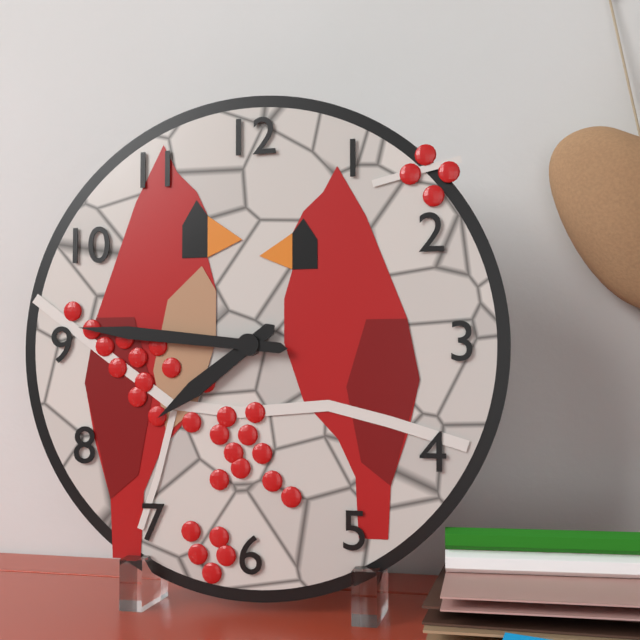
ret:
7:46
